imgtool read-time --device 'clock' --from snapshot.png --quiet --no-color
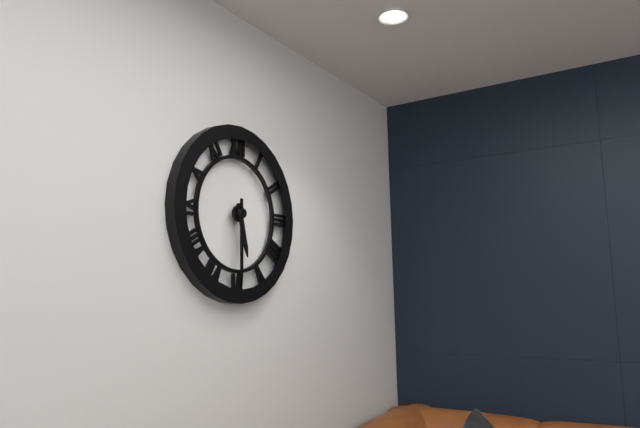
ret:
5:30
